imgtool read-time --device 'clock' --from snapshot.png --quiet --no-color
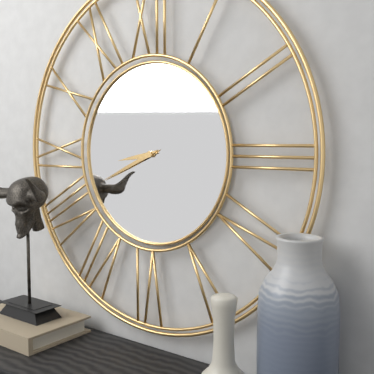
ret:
8:41
